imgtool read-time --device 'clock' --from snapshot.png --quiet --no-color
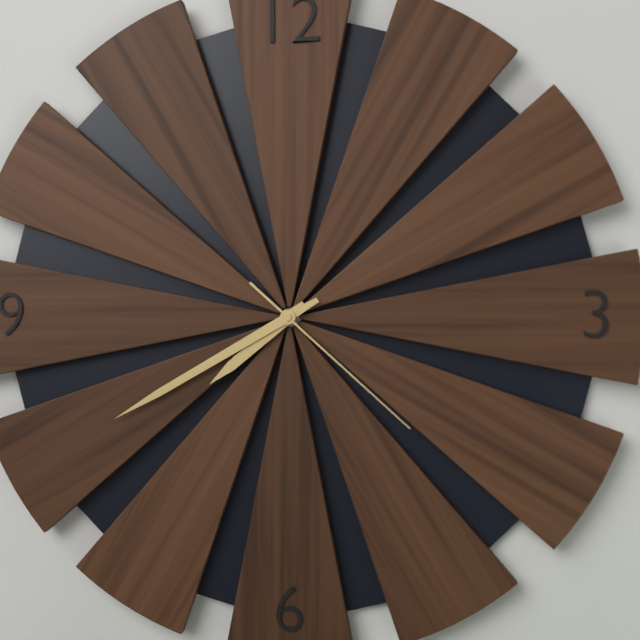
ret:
7:40:22
